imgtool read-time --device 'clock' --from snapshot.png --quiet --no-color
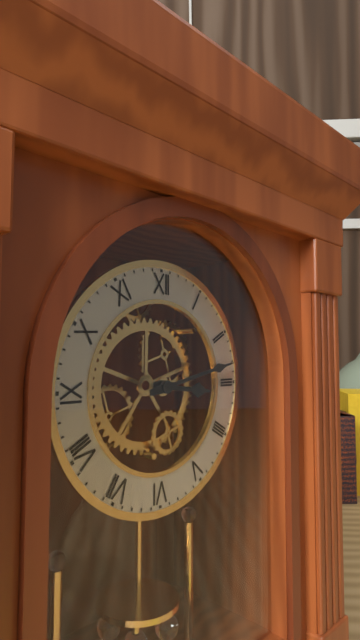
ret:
3:13
